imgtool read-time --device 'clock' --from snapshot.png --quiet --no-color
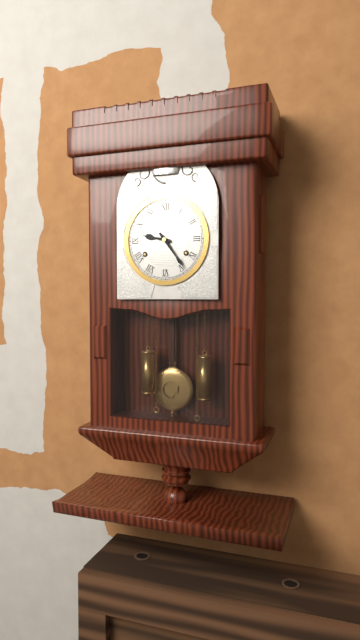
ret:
9:24
